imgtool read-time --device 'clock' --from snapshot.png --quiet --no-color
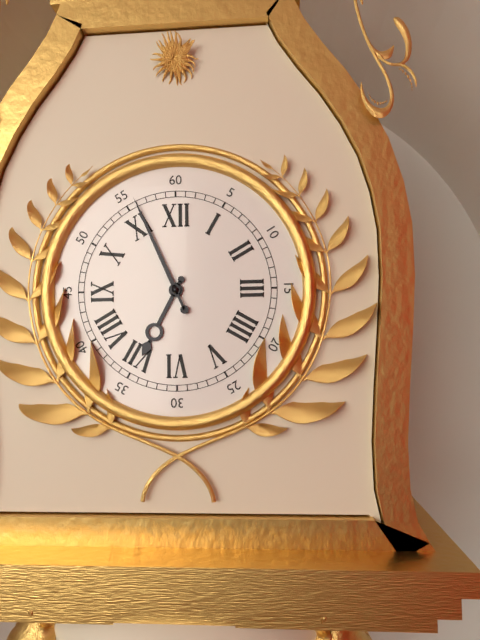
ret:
6:56
